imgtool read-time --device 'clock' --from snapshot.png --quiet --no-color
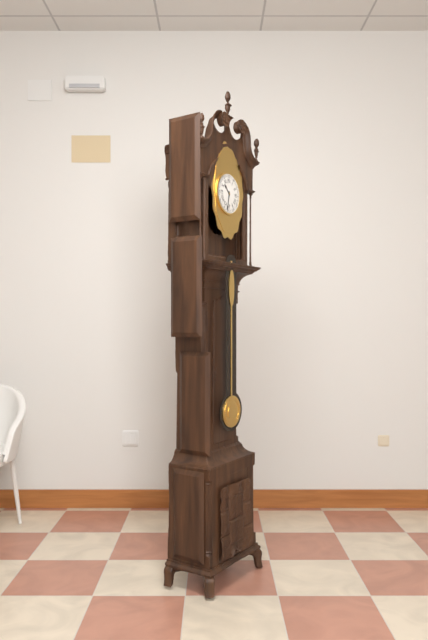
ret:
10:32
